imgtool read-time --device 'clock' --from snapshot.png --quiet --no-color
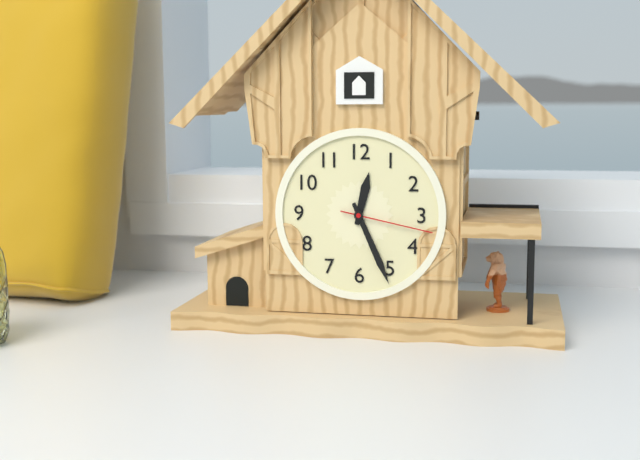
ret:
12:26:17
